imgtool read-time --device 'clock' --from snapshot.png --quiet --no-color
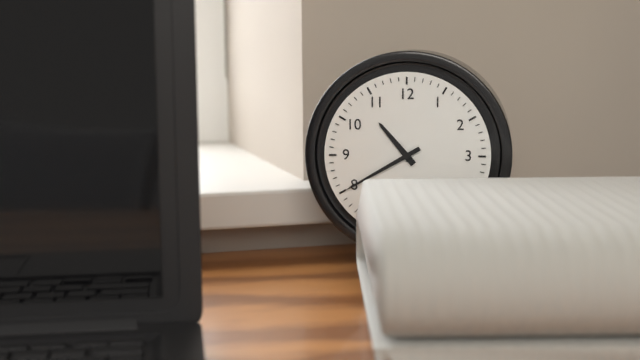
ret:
10:40
